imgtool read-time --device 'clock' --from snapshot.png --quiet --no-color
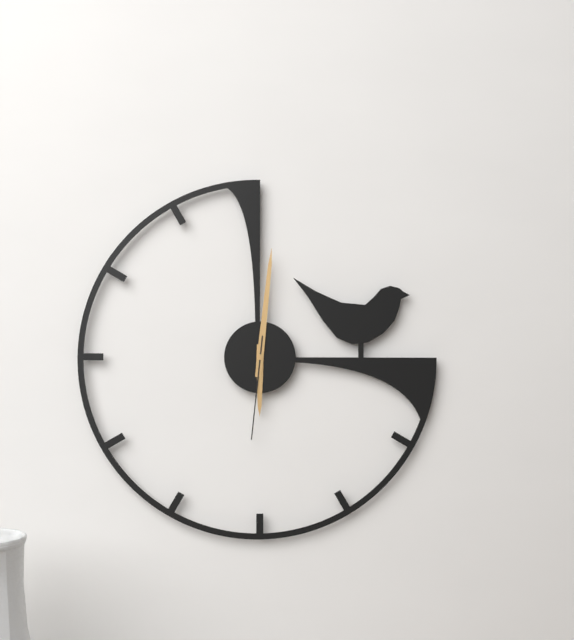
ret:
6:01:31
